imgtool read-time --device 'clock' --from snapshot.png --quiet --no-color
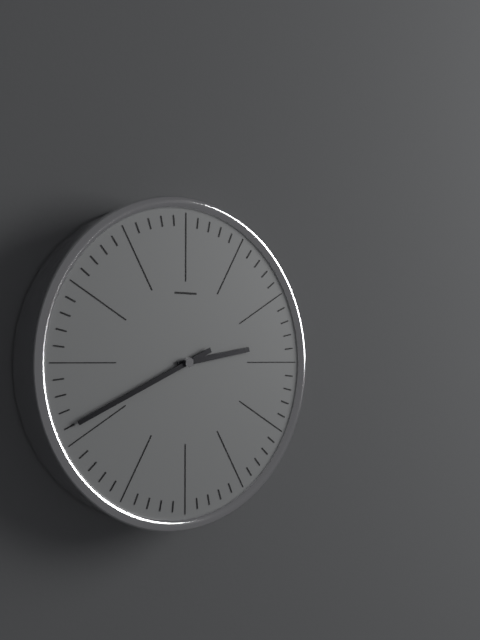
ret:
2:41
